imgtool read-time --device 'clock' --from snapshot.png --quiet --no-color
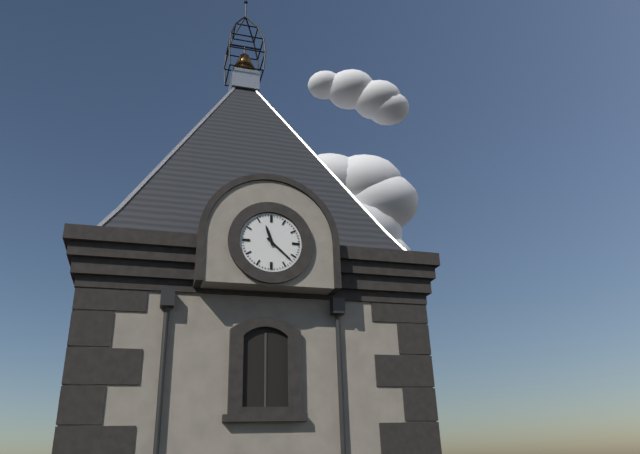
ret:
11:22
